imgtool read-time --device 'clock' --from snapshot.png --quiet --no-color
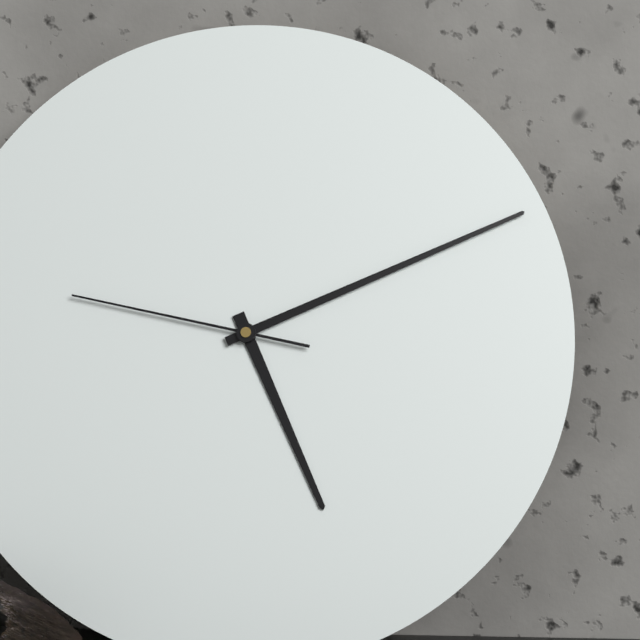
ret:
5:11:47
